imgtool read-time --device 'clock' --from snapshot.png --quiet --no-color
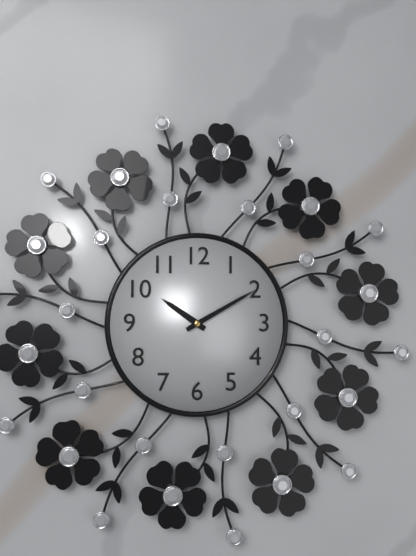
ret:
10:10
